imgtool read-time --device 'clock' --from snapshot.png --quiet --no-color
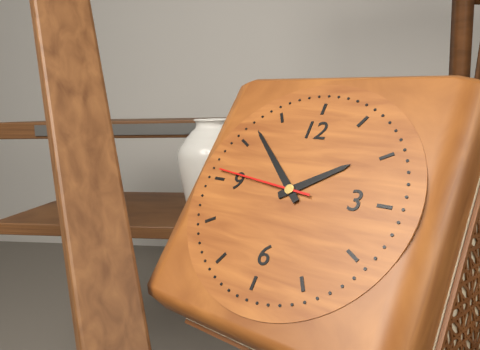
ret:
1:52:46
